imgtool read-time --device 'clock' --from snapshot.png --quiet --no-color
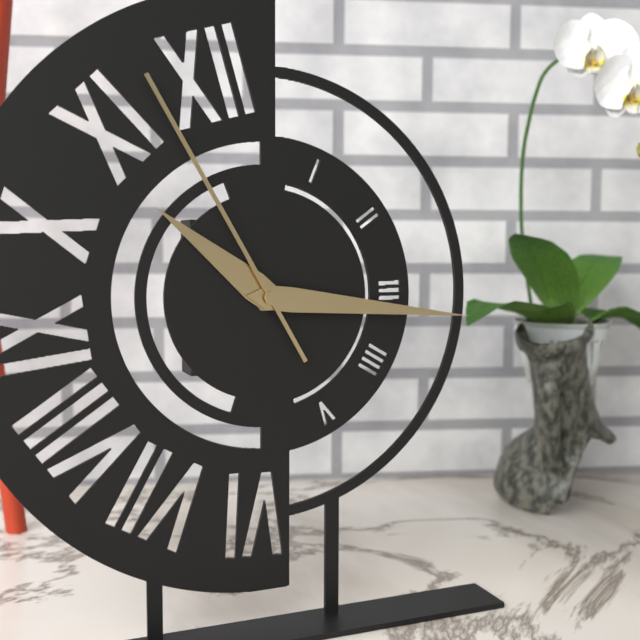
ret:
10:16:55
